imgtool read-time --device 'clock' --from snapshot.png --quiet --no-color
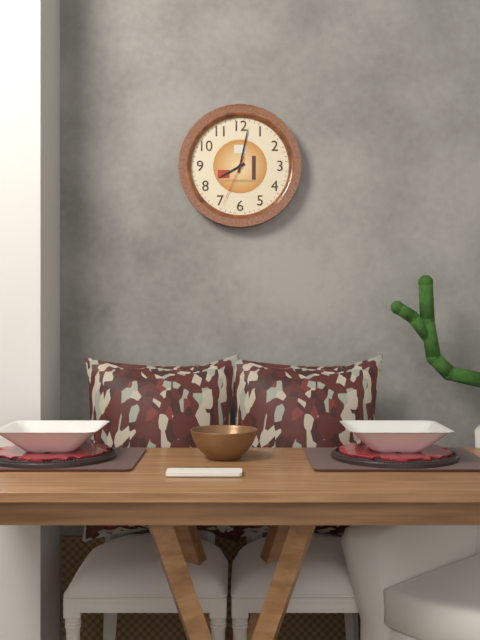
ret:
8:02:34
